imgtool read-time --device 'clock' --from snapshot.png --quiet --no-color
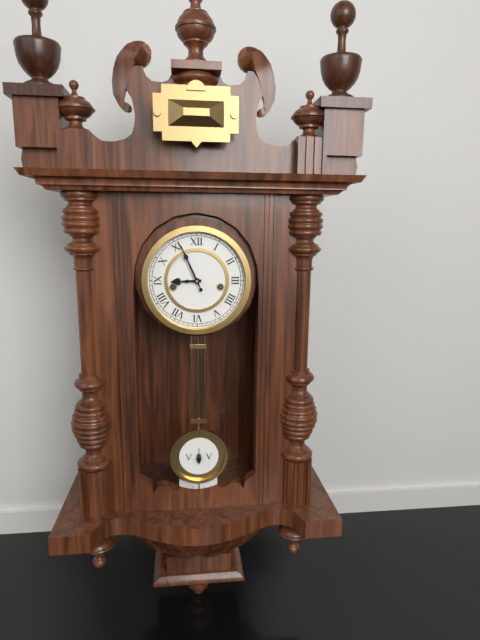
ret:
8:56
